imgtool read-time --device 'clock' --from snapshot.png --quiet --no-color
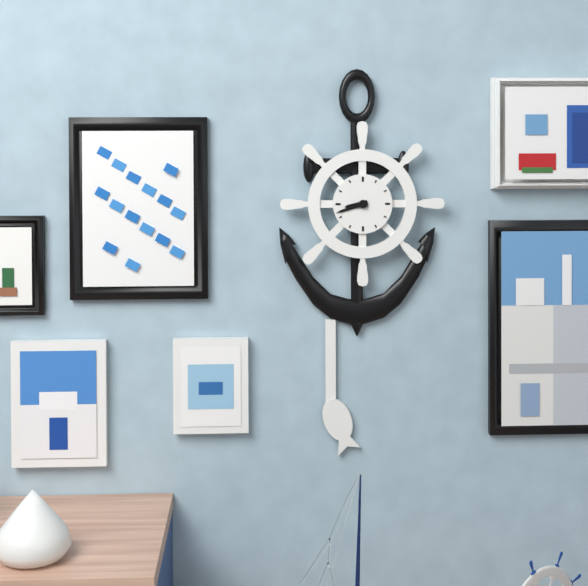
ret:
8:42
